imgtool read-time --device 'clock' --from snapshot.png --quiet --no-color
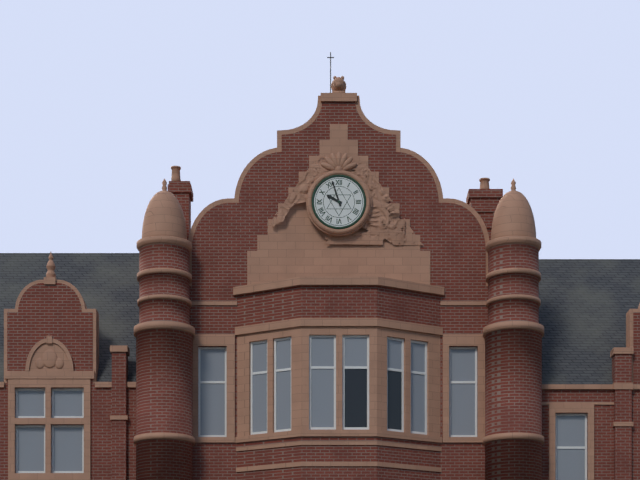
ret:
9:57
